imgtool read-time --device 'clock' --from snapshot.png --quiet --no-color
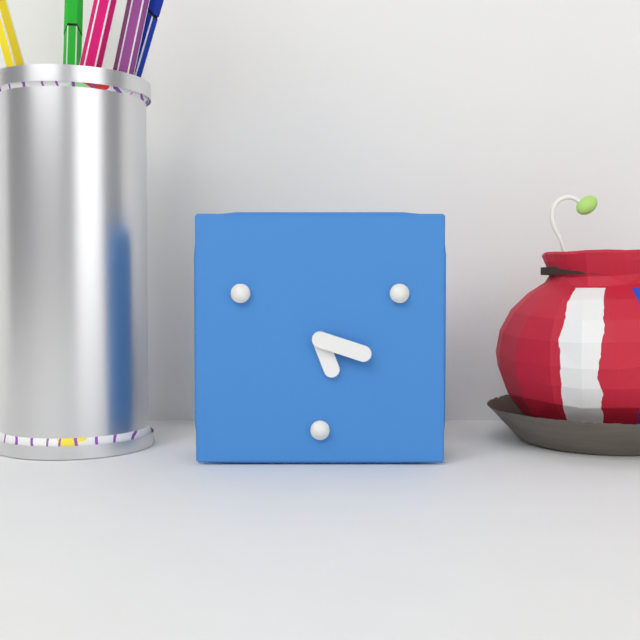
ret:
5:18
